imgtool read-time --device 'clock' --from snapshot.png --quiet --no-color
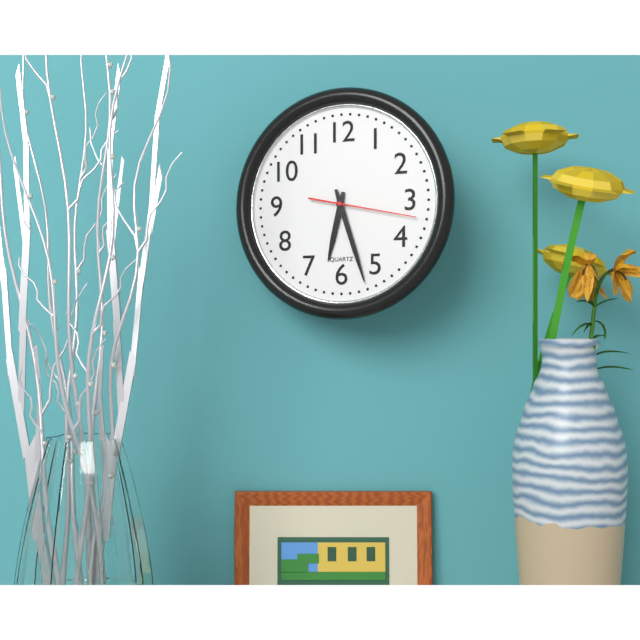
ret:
6:27:17
